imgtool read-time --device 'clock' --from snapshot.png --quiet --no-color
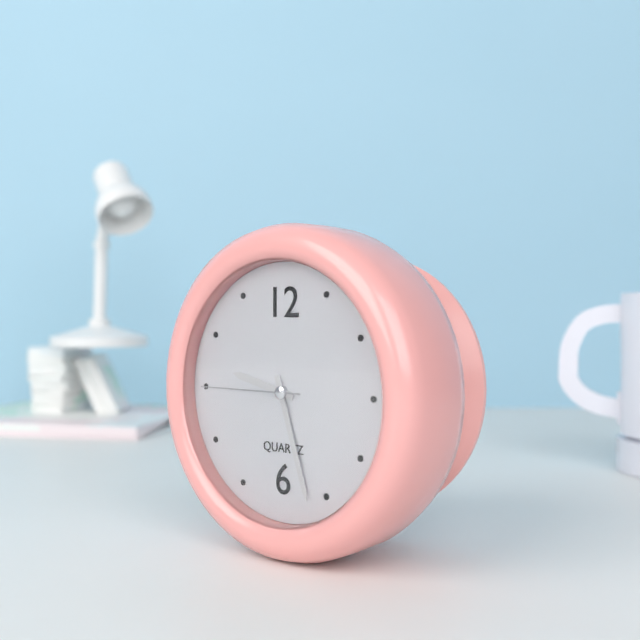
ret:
9:27:45
